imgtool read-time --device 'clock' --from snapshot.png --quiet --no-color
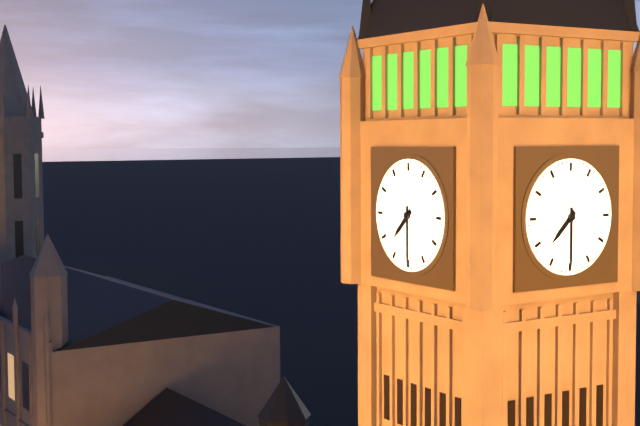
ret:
7:30
